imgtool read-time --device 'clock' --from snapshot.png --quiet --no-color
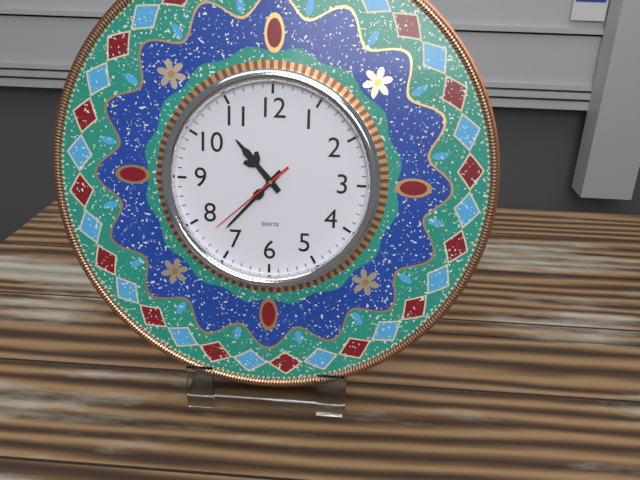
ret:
10:37:38
